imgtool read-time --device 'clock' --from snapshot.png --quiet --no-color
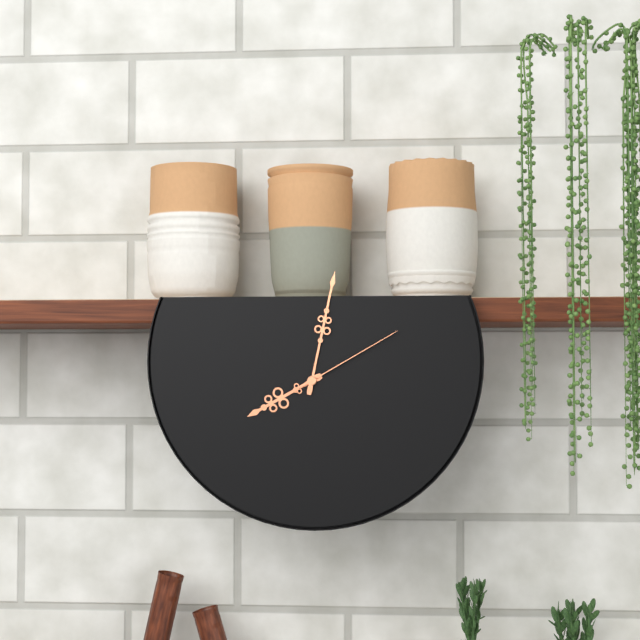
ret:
8:02:10
